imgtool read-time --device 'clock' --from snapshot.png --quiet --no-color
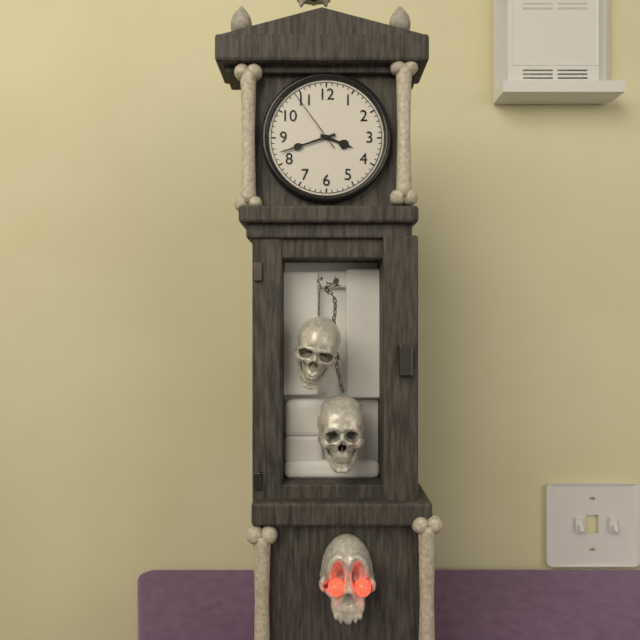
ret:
3:42:54
